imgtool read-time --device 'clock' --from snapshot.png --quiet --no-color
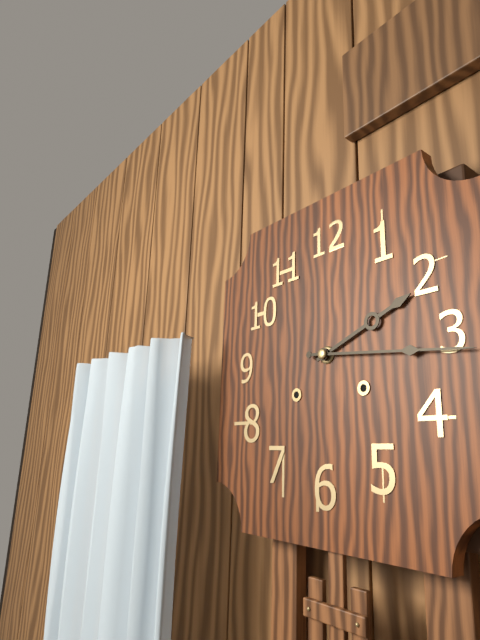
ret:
2:16
